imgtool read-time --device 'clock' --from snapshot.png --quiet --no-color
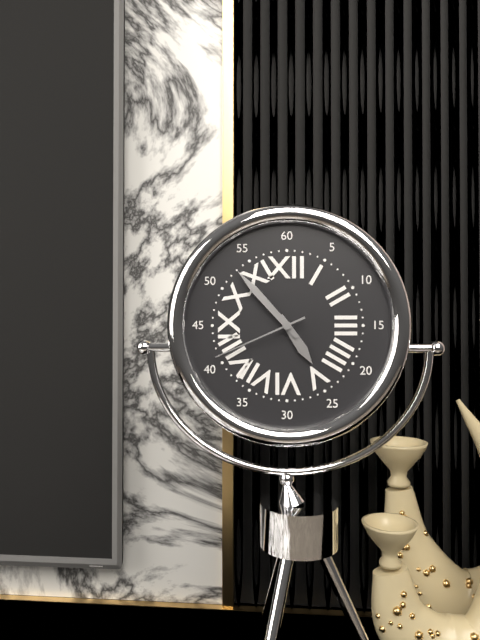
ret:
4:53:41
